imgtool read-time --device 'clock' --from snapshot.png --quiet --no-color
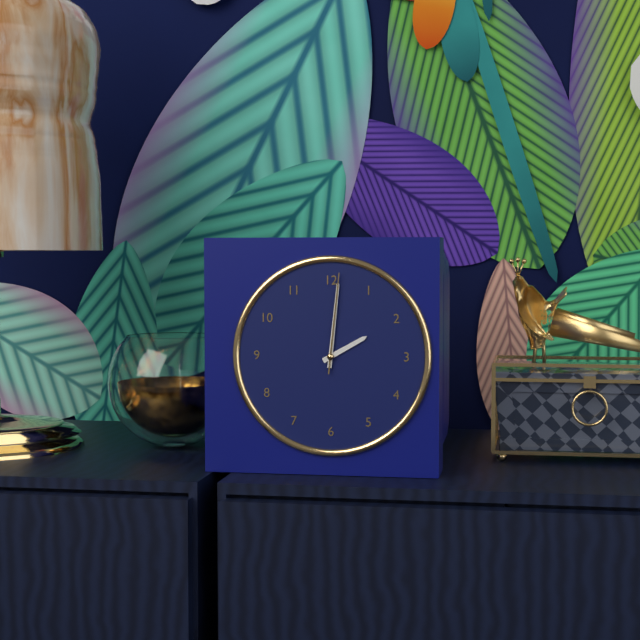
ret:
2:01:01
